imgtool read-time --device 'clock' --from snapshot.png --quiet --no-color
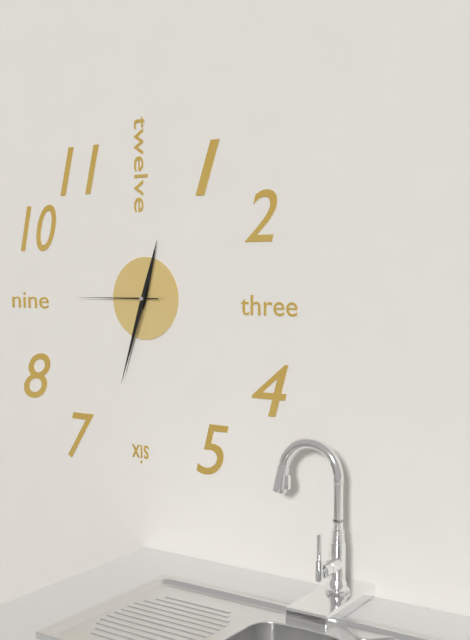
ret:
12:33:45
